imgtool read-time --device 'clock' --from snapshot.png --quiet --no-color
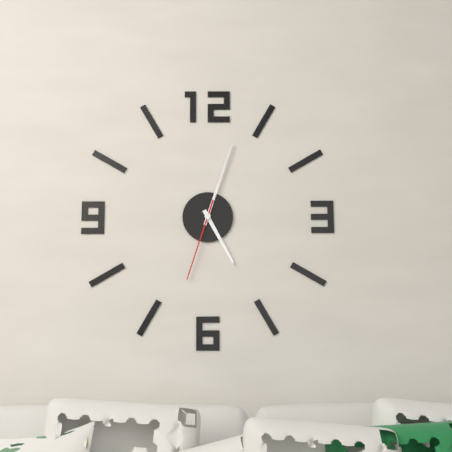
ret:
5:03:33
